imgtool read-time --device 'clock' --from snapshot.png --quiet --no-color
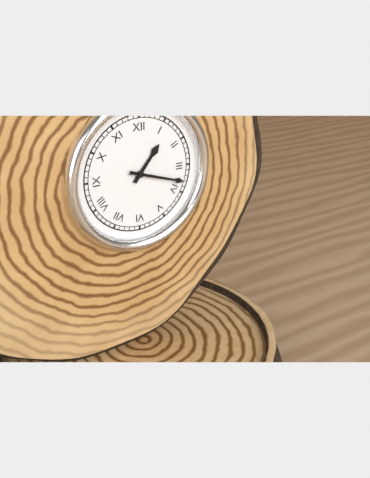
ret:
1:18
